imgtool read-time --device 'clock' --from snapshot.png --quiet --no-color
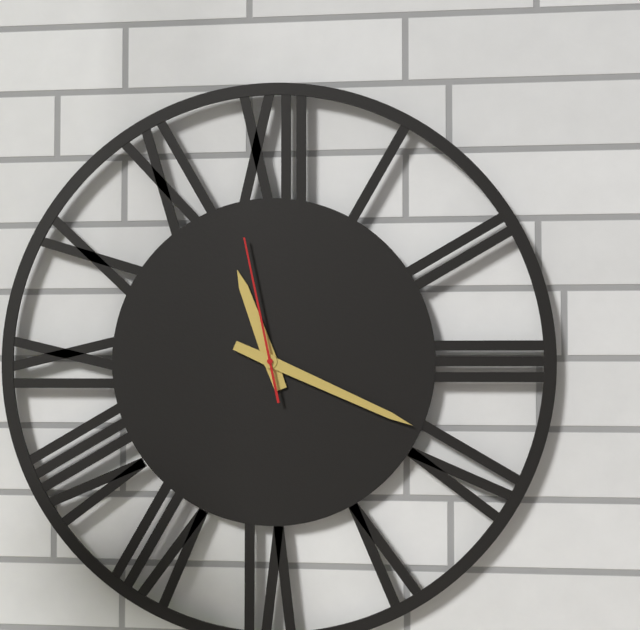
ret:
11:19:58
